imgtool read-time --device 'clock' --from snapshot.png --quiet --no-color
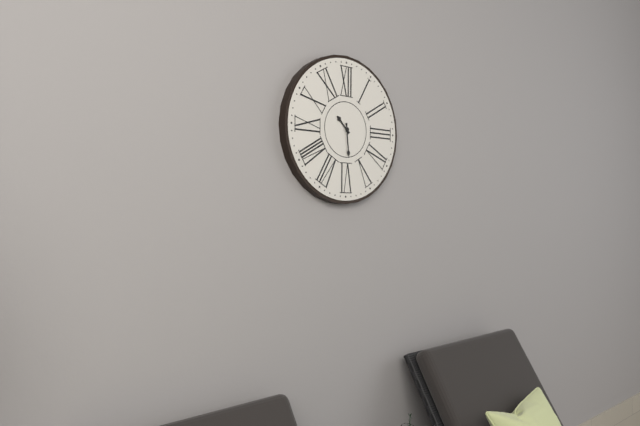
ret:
10:29
